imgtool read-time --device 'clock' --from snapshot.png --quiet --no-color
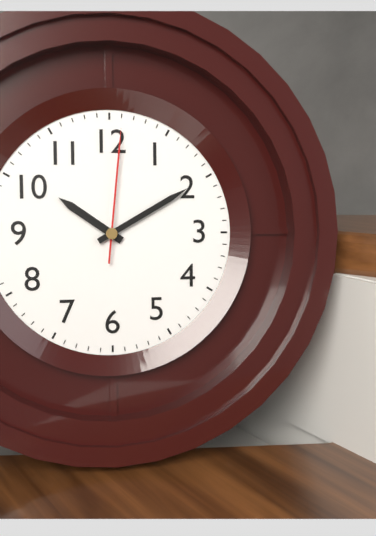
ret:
10:10:01
